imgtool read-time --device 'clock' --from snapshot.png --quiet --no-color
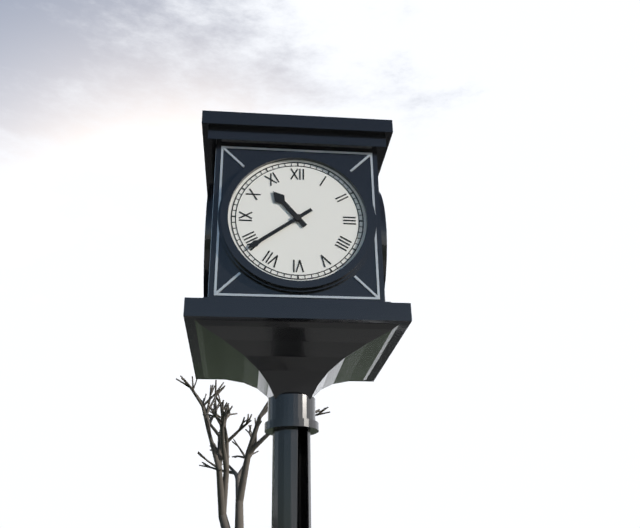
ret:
10:39
